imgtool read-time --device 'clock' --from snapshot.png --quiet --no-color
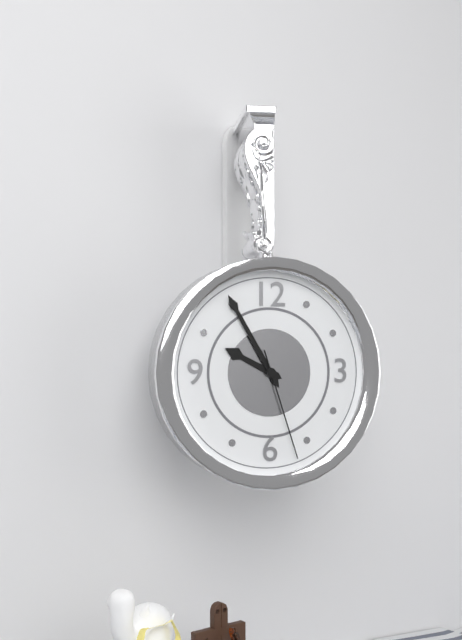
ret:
9:55:27
